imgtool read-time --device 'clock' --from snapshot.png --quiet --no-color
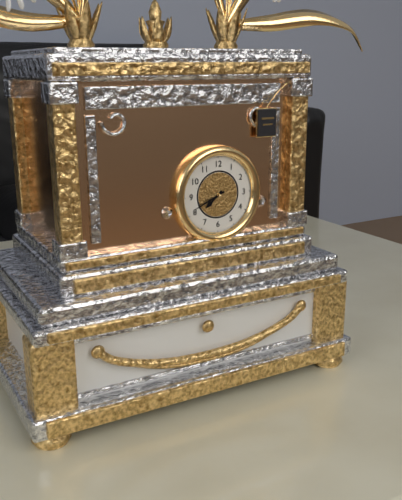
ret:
7:41
